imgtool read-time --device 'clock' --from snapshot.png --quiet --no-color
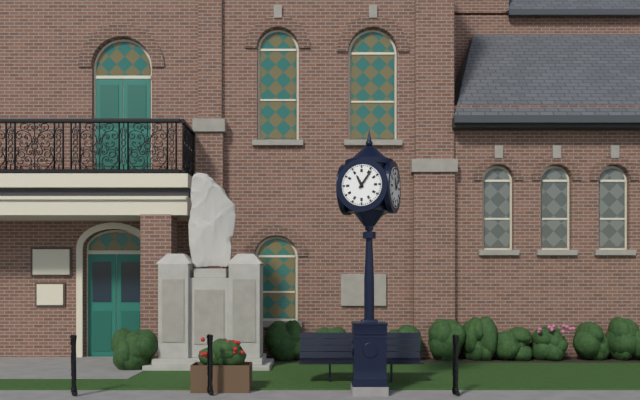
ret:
11:06
